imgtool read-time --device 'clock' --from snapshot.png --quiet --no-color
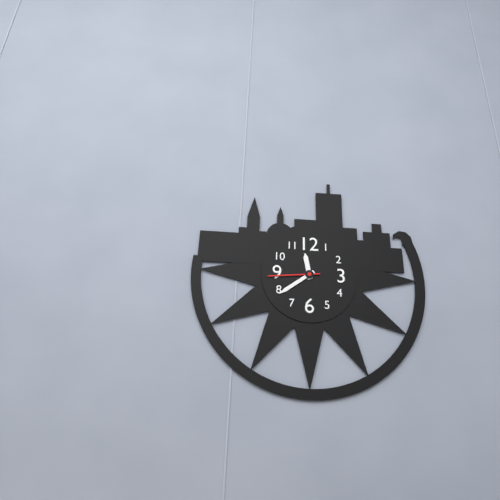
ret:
11:39:44
